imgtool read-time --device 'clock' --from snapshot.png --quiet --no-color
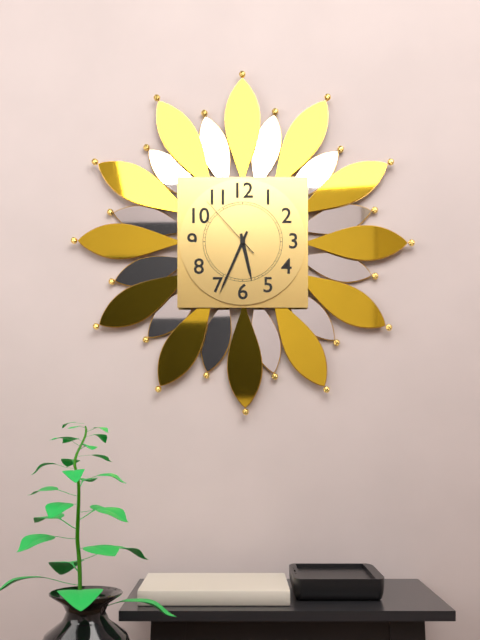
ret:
5:34:53
